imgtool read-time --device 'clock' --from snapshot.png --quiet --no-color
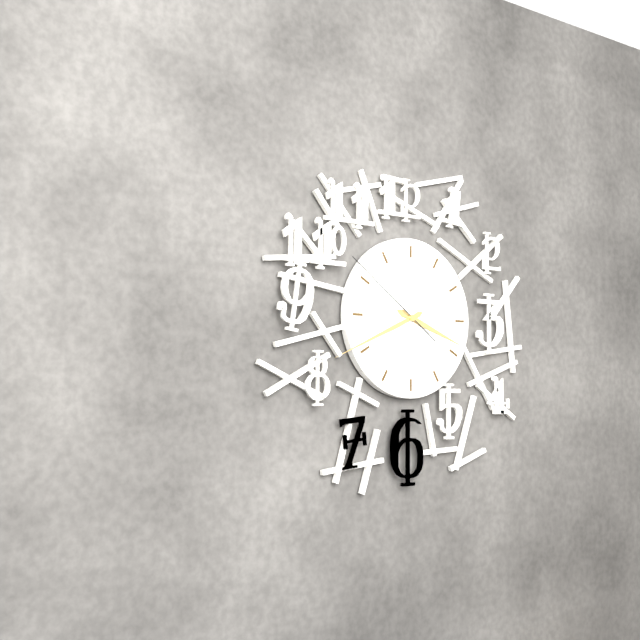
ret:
3:41:51
